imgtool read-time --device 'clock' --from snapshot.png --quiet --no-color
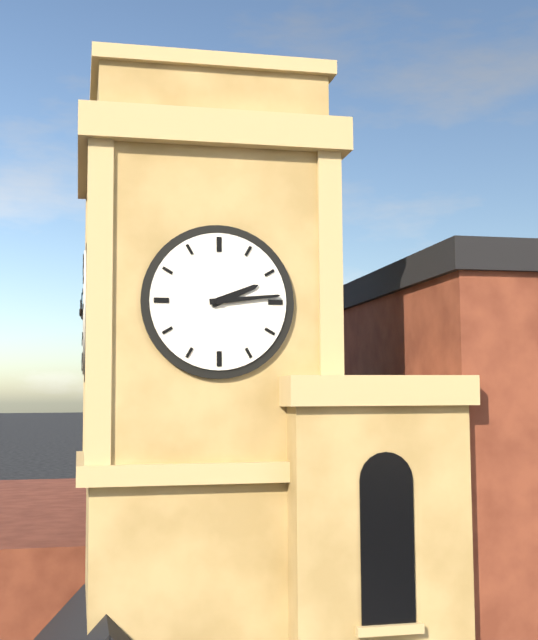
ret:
2:14
